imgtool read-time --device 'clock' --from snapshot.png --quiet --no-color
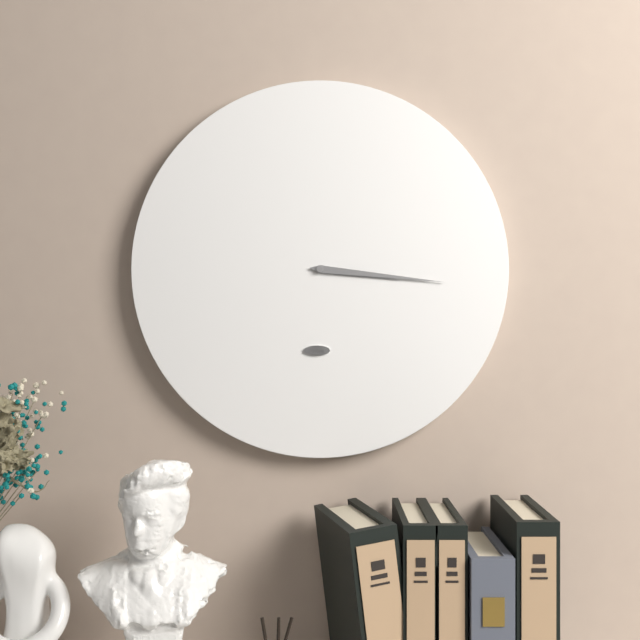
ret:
3:16
